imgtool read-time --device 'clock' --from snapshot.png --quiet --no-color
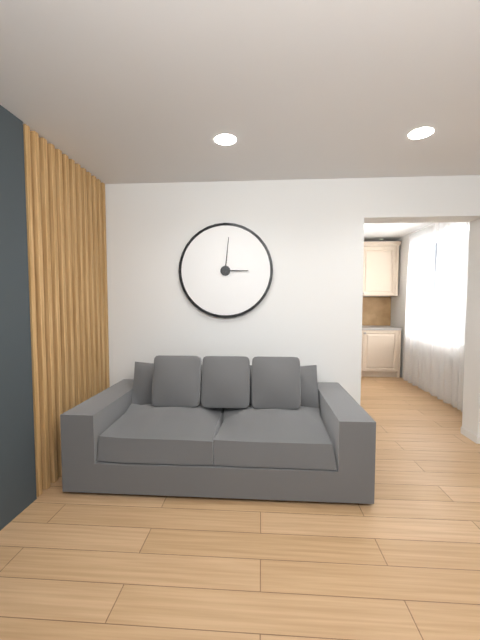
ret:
3:01
